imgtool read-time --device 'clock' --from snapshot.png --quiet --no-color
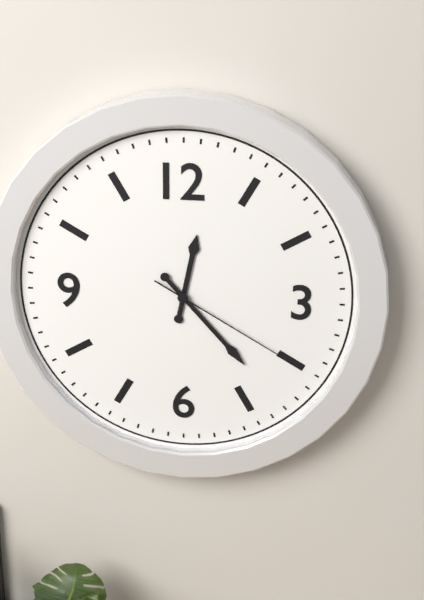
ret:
12:23:20
